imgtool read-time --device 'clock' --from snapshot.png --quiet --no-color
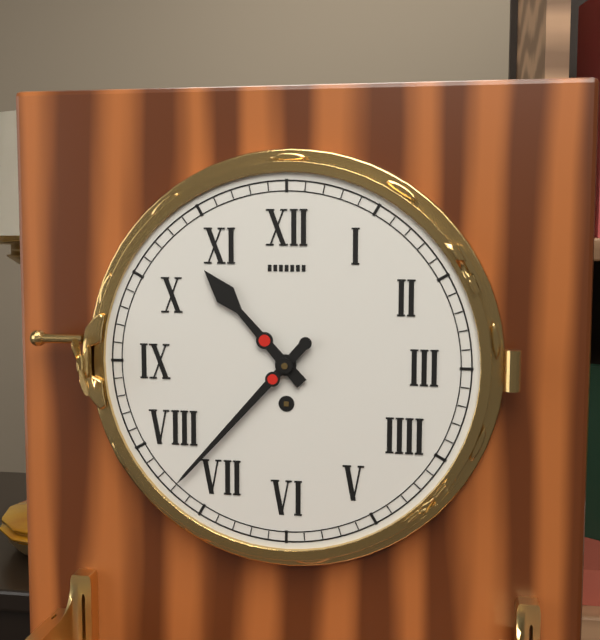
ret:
10:37
